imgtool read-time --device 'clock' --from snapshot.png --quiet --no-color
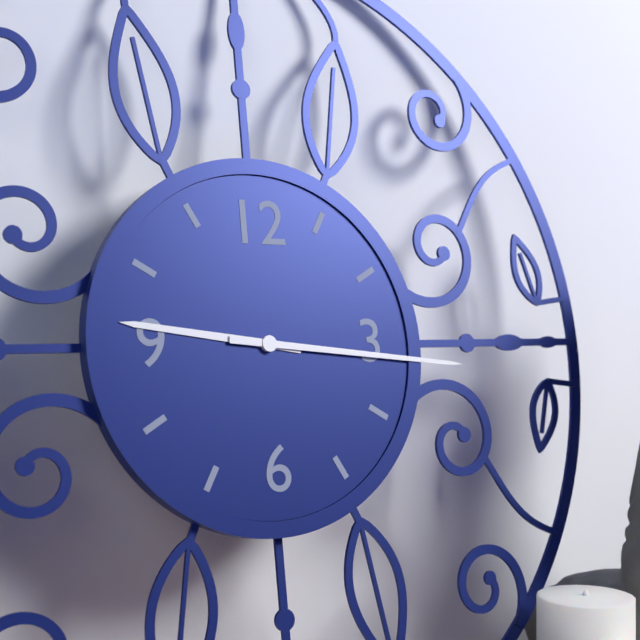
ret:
9:16
